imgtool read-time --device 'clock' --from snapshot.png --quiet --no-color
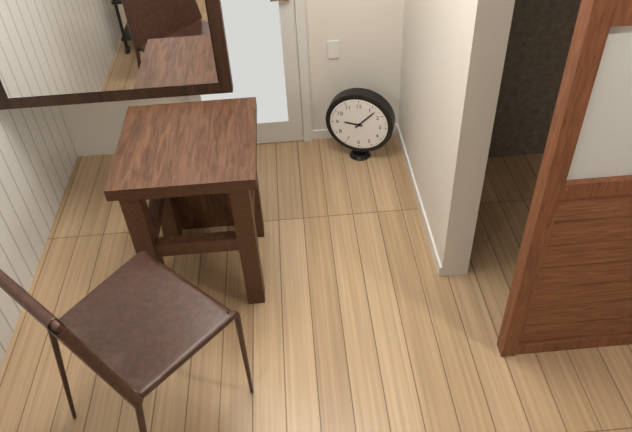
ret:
9:07
